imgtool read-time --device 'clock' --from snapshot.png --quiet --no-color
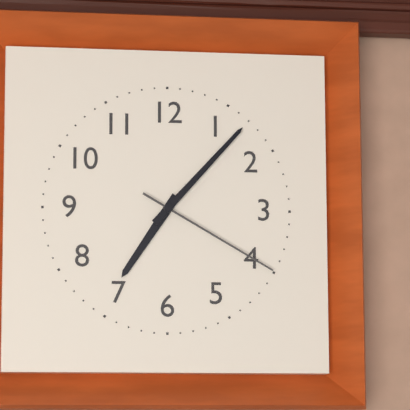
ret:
7:07:20
